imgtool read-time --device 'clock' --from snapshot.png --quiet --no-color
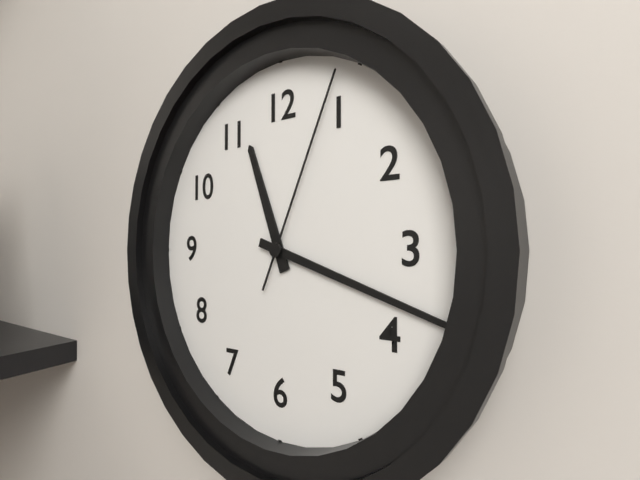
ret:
11:18:04
